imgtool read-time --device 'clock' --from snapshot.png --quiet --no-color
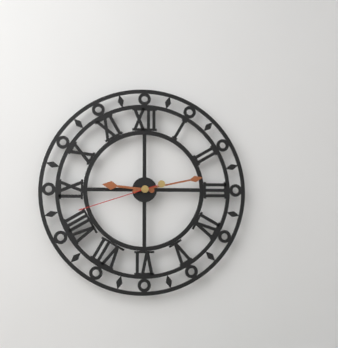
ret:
9:13:42
